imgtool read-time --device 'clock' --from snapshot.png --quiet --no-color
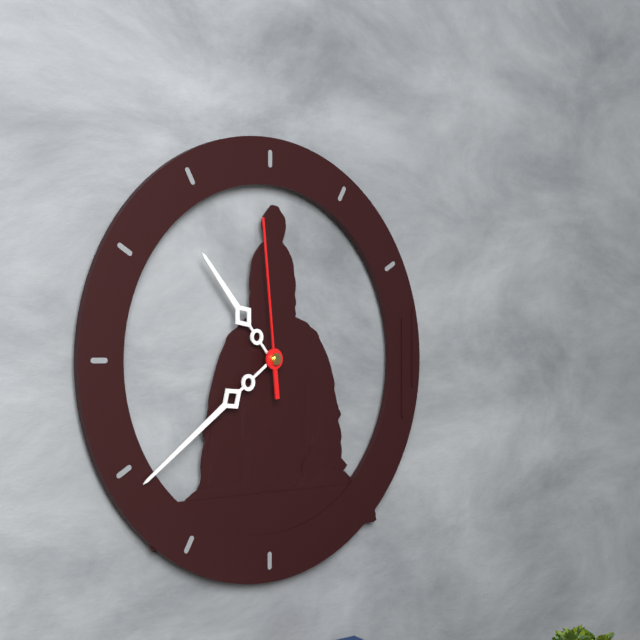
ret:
10:39:59
